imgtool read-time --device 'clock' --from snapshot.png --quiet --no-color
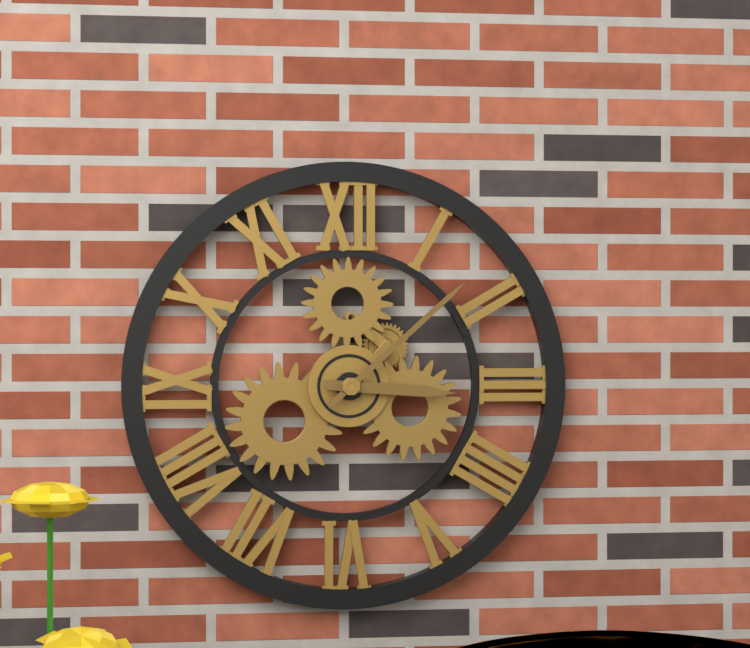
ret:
3:08
